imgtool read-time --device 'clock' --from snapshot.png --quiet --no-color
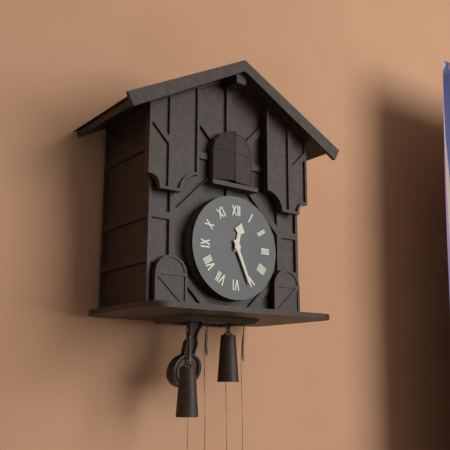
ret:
12:26
